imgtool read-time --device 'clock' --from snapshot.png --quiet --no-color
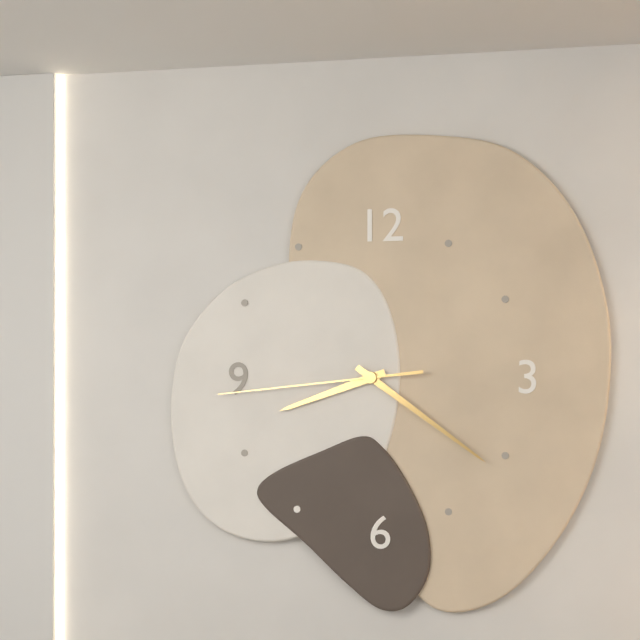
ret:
8:21:44
